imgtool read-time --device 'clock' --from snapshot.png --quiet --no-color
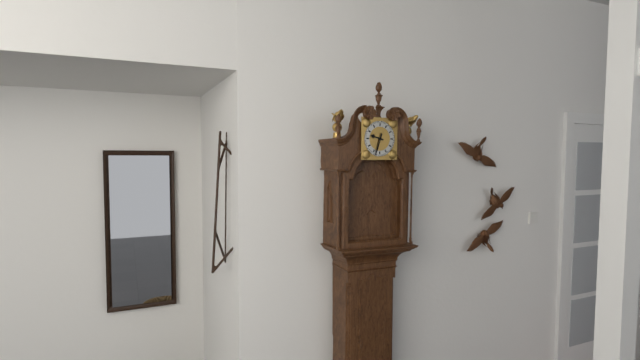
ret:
9:33
